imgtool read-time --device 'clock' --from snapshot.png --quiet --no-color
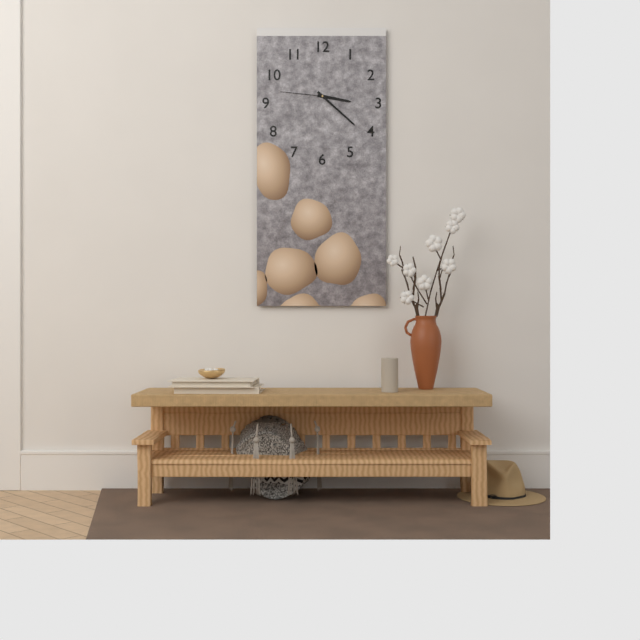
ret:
3:22:46
